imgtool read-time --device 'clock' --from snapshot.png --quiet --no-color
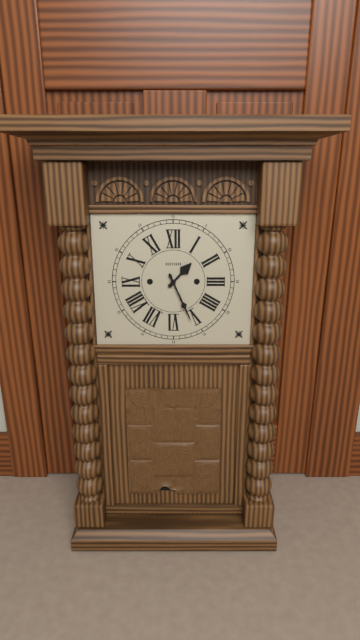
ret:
1:26
